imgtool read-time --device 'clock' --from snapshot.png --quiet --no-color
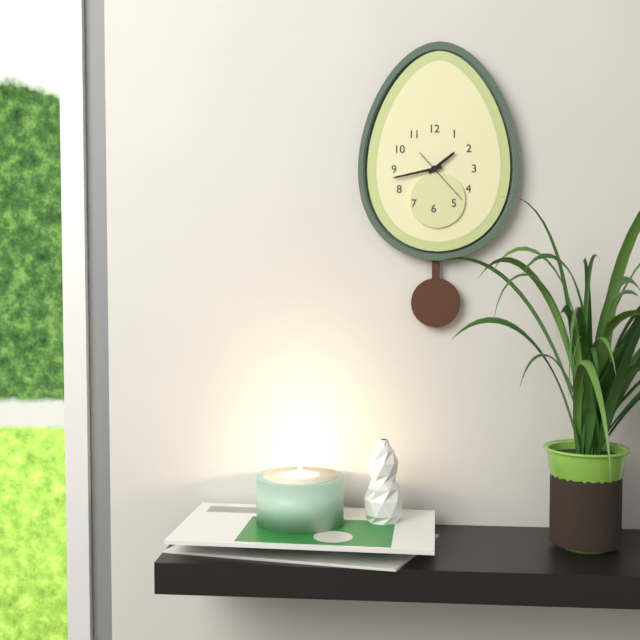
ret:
1:43:23
